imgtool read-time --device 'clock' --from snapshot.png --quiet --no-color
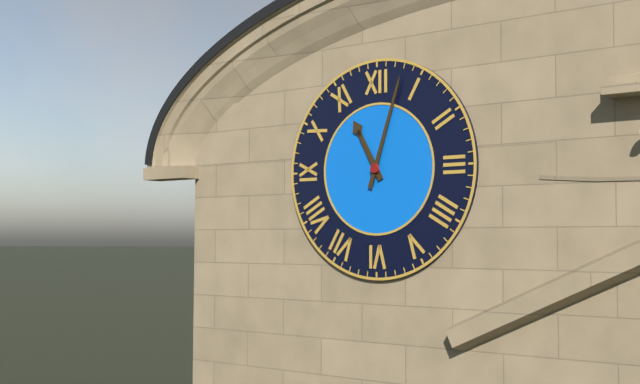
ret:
11:03
